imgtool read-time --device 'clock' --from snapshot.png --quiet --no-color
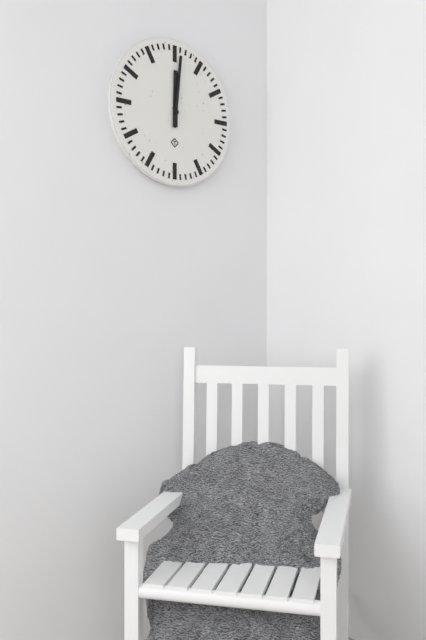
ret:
12:01
